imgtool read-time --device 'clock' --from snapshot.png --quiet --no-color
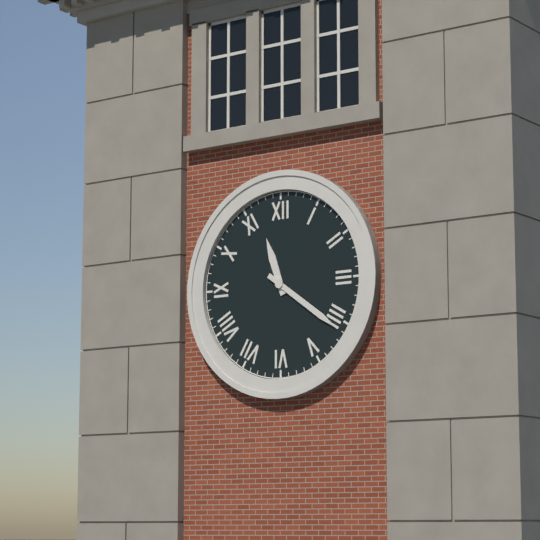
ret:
11:21
